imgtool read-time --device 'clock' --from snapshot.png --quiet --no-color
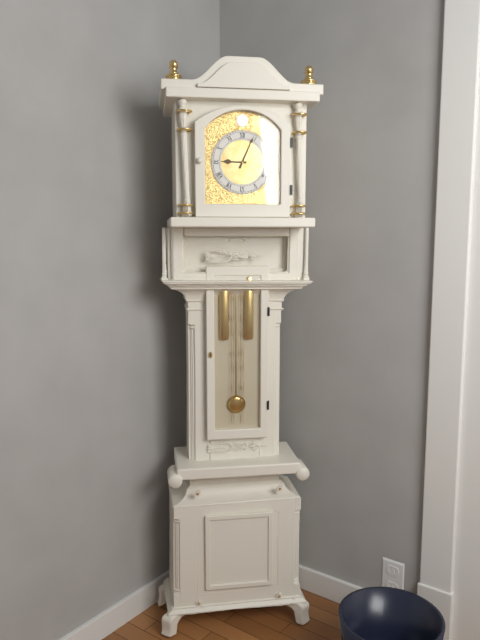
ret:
9:04
